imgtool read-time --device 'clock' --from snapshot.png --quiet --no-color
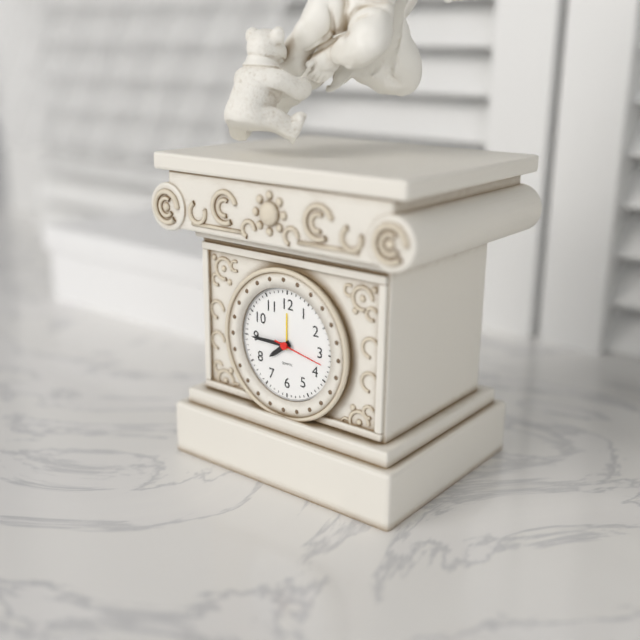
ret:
7:45:17
